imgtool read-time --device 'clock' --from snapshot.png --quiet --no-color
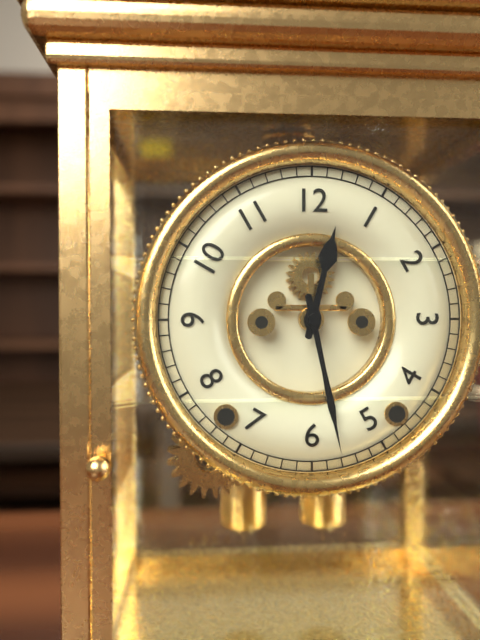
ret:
12:28
